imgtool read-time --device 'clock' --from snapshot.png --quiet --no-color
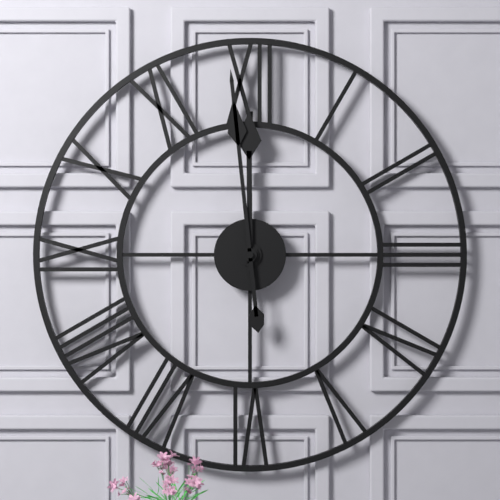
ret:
11:59
